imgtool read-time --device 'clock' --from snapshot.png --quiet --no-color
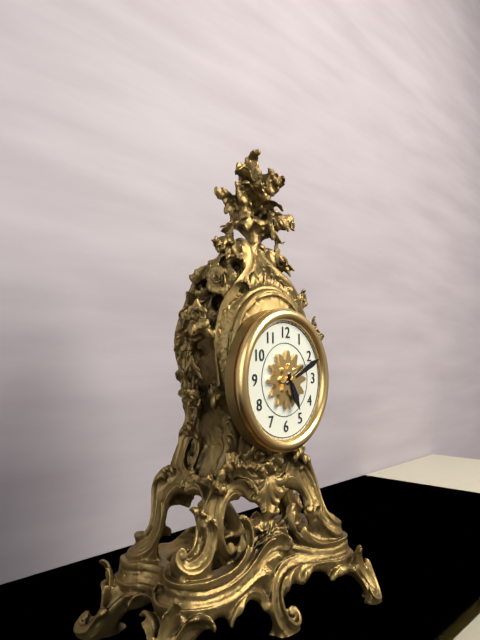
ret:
5:11
